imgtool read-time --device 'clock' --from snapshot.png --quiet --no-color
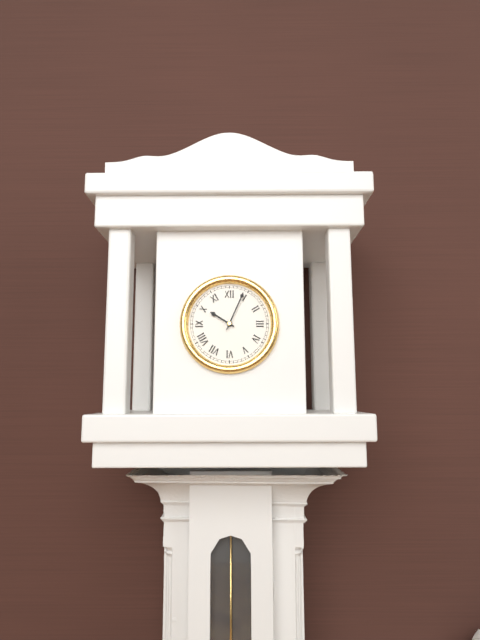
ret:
10:04
